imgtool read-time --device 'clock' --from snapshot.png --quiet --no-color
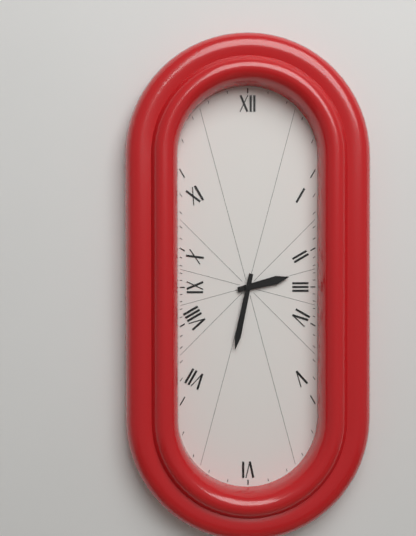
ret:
2:32
